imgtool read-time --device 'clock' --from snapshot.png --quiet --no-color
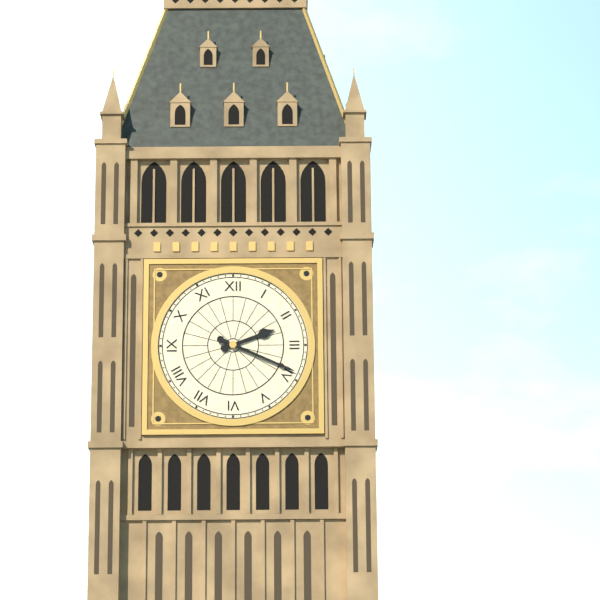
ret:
2:19
